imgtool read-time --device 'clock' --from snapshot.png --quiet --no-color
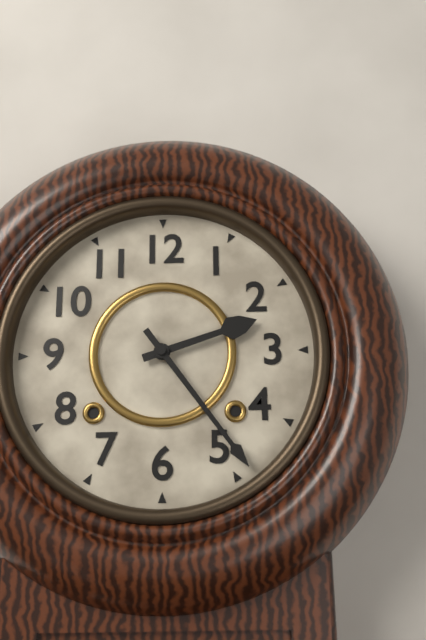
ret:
2:24
